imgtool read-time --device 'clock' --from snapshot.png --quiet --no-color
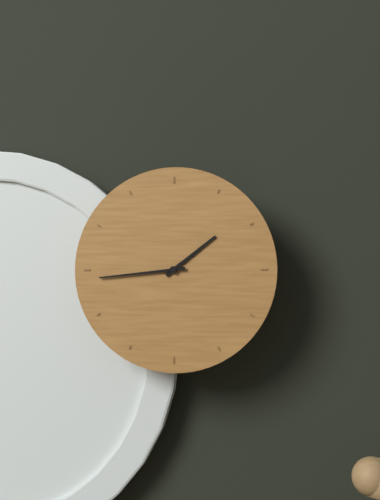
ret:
1:44
